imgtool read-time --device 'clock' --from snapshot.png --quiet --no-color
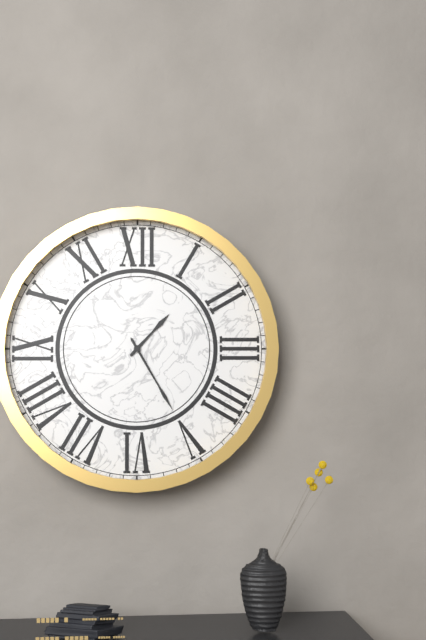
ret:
1:25
